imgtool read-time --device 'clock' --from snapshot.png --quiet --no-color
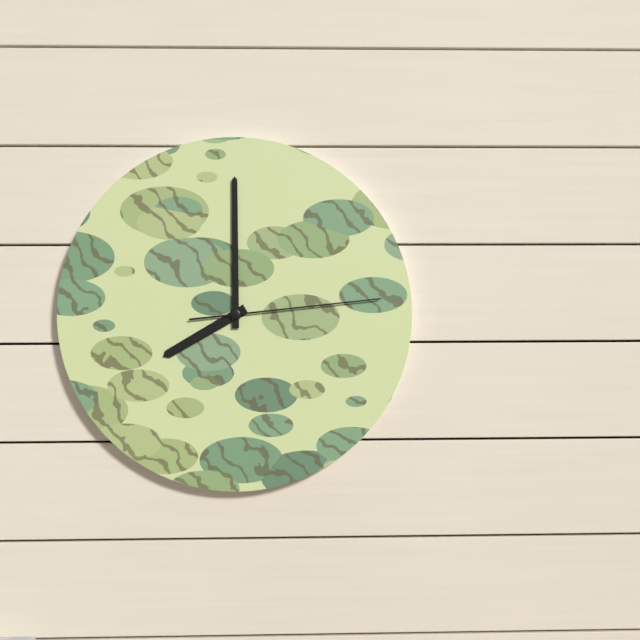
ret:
8:00:14
